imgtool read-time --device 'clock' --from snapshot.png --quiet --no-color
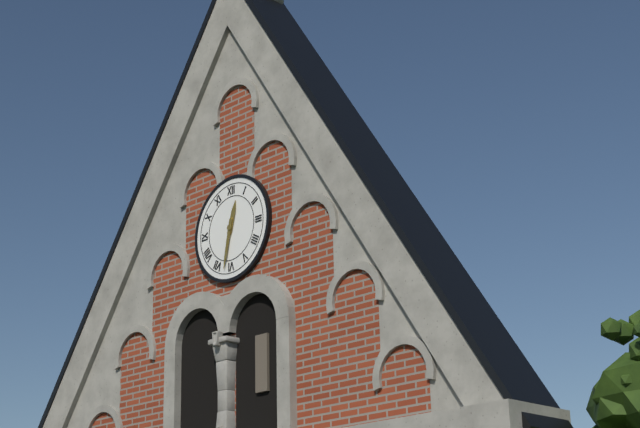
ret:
12:32
